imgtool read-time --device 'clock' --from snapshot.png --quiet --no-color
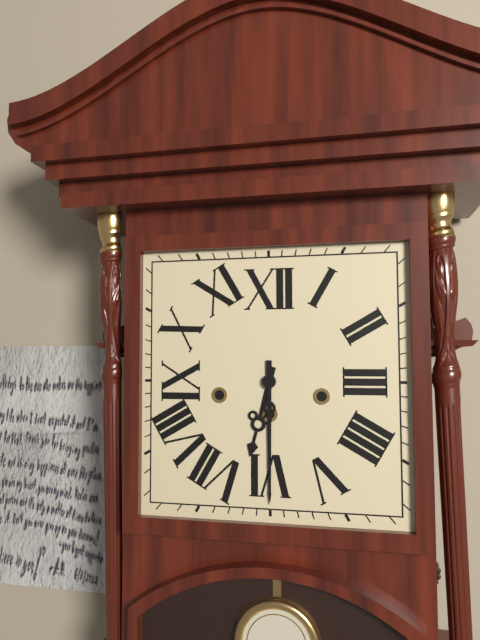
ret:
6:30
